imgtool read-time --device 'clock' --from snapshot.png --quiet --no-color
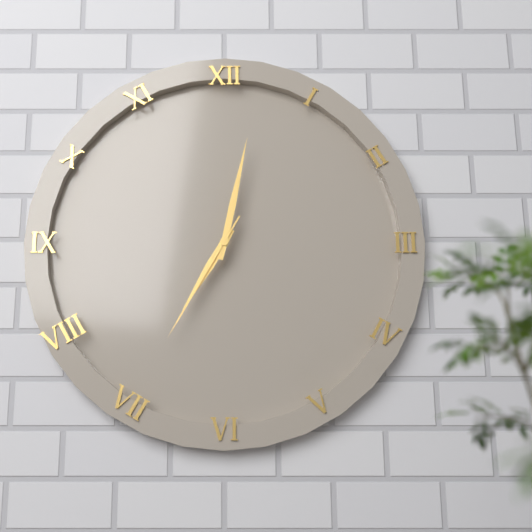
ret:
7:02:35
